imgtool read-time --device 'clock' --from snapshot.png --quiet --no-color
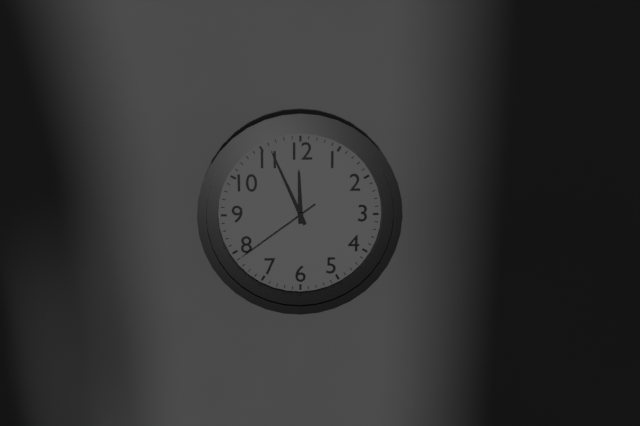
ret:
11:56:39
